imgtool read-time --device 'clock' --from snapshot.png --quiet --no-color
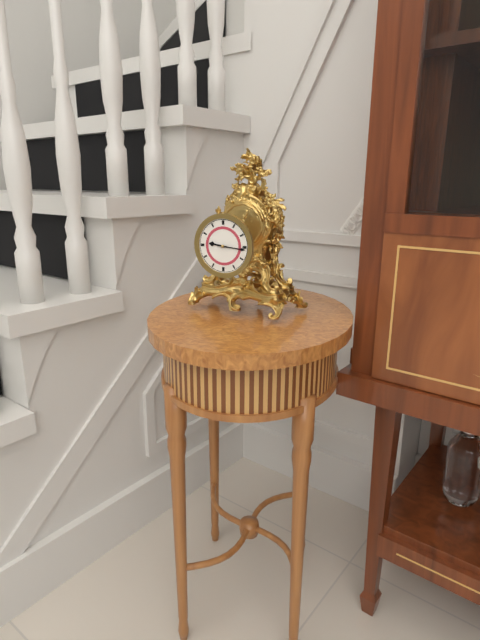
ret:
9:16
